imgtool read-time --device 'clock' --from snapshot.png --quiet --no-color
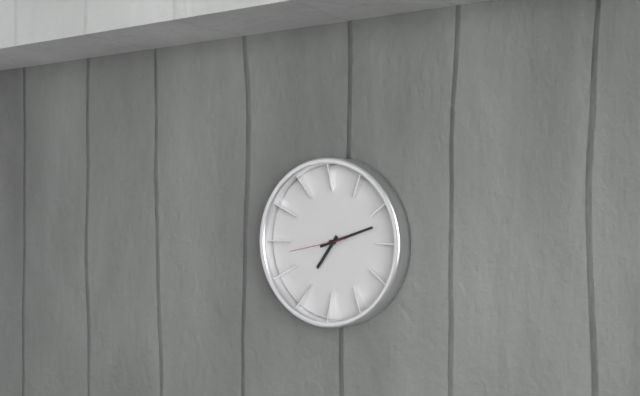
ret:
7:12:43
